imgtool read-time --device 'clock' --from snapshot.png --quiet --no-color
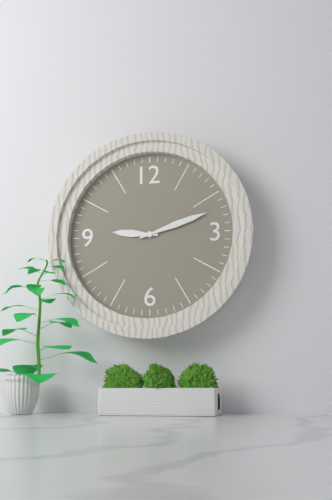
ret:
9:12
